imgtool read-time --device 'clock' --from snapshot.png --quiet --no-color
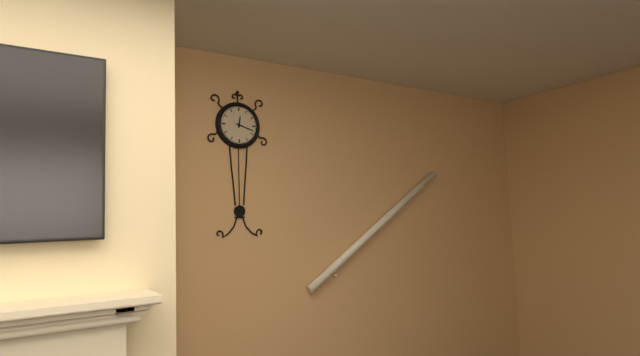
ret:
12:18
